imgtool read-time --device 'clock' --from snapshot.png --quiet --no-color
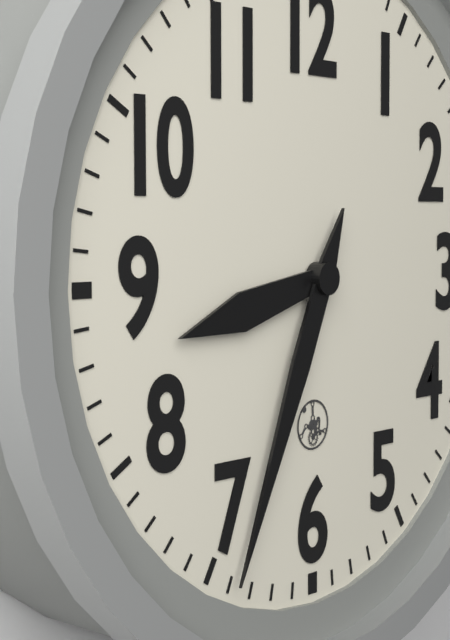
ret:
8:34
